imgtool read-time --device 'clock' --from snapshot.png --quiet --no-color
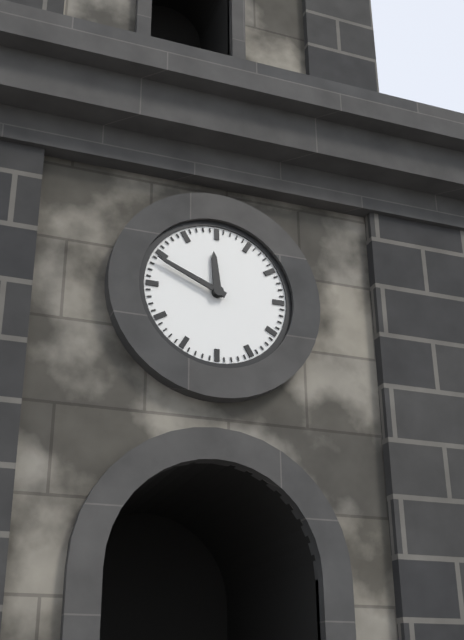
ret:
11:49
